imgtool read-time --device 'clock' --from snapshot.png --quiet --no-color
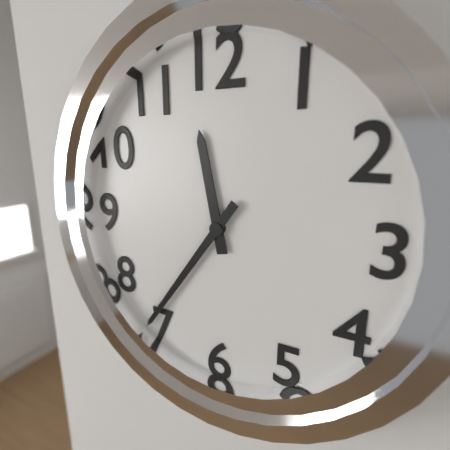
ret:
11:36
